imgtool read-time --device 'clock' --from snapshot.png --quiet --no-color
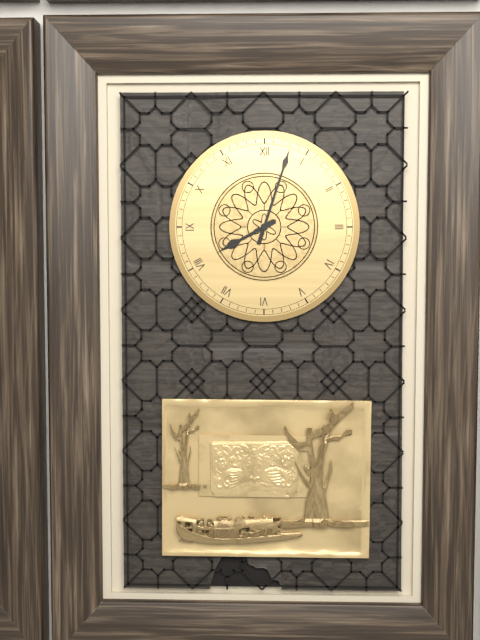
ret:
8:03
